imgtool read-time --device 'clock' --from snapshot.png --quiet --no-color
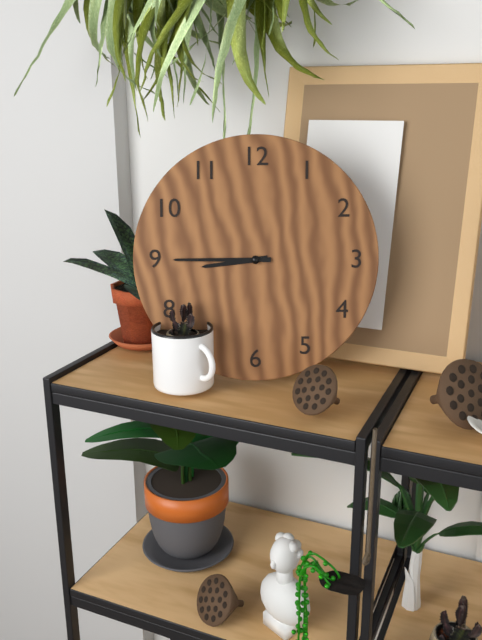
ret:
8:45
